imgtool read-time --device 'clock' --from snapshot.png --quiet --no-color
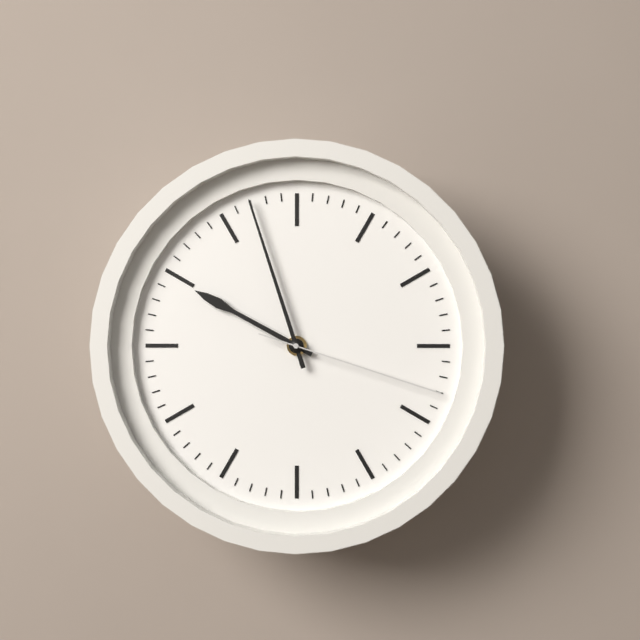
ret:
9:57:18
